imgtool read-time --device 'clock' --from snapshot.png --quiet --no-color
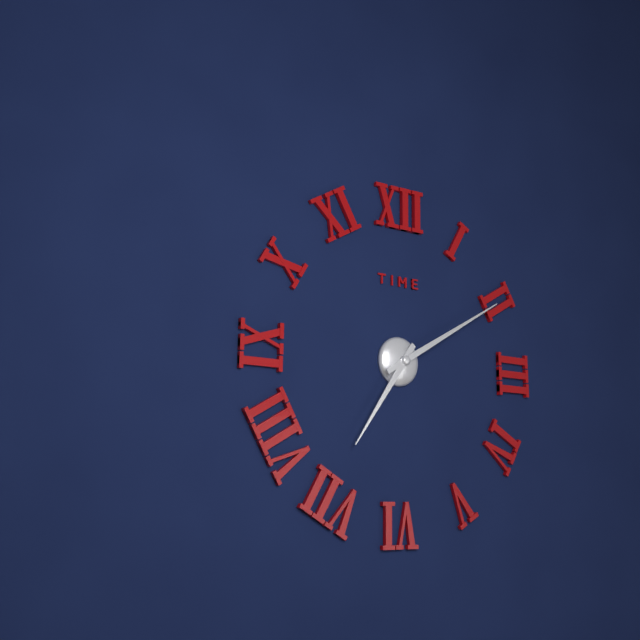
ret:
7:10
